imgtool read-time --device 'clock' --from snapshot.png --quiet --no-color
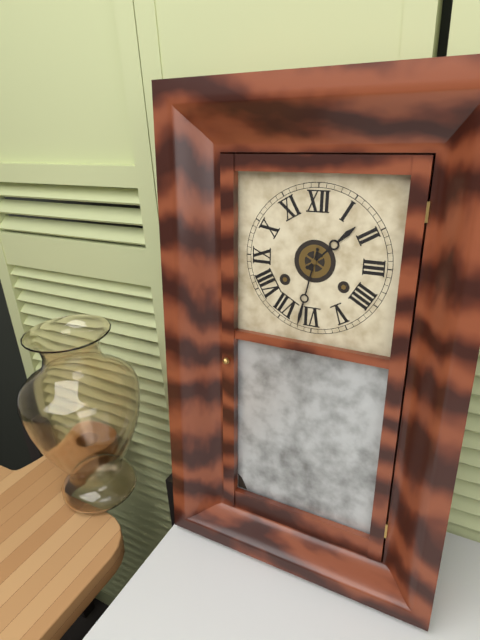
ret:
1:32
